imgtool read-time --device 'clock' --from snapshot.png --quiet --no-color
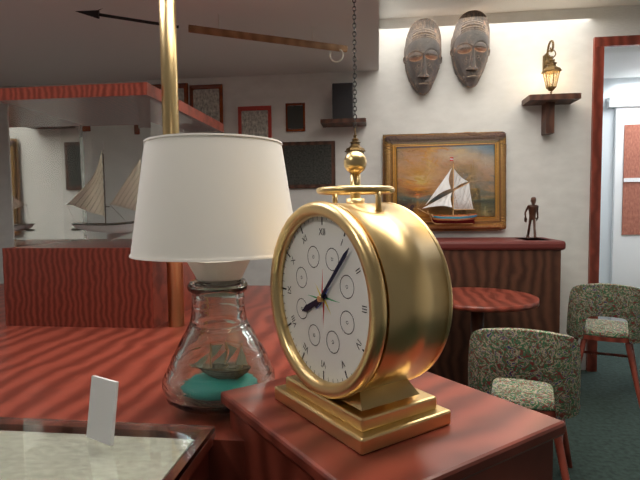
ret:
8:07
